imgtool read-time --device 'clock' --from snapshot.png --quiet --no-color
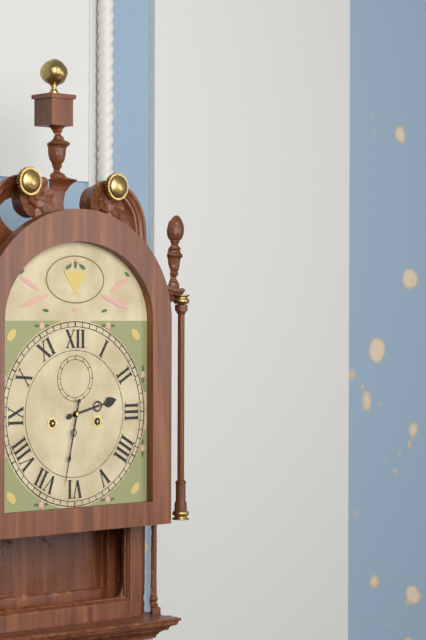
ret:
2:32
